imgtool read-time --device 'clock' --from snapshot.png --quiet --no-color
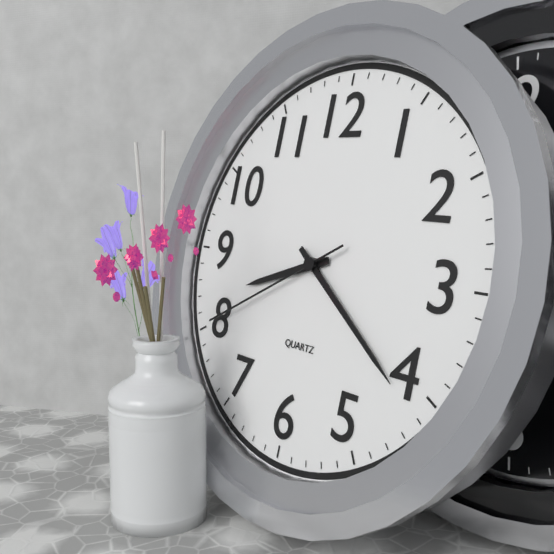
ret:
8:21:40
